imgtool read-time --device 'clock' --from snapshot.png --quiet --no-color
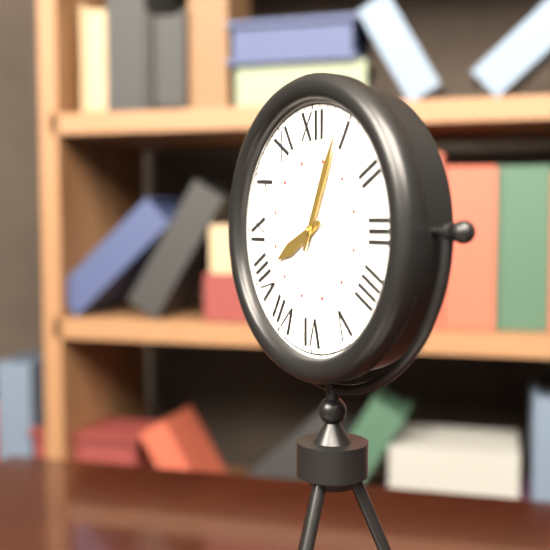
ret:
8:04
